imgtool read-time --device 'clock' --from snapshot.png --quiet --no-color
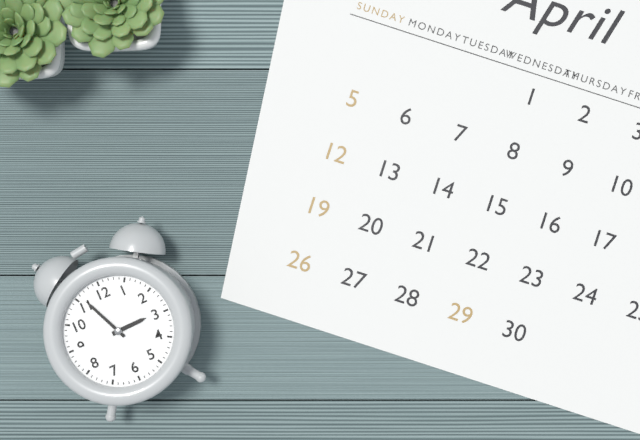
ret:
2:56
